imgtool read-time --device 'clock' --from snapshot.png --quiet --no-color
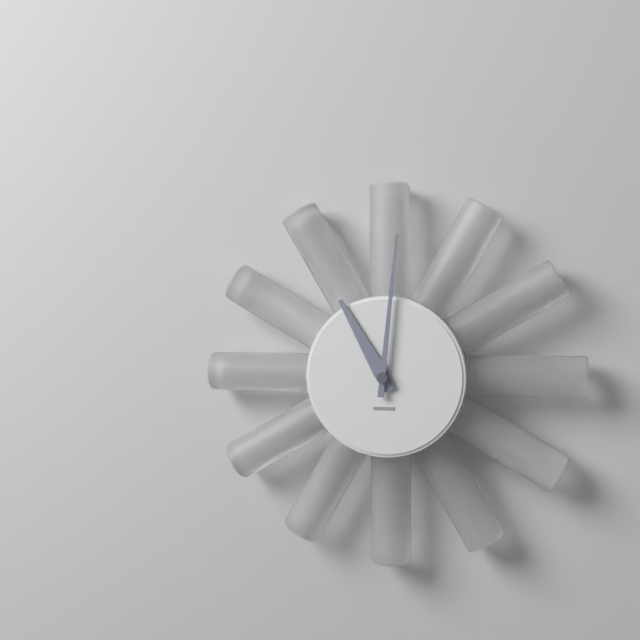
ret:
11:01
